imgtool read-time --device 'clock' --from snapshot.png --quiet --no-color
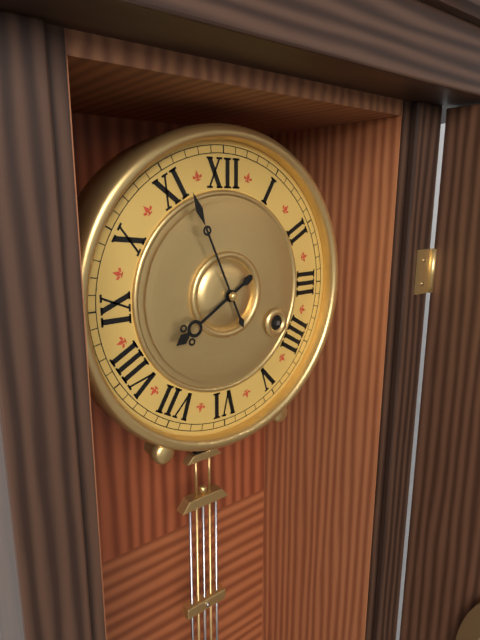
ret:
7:56
